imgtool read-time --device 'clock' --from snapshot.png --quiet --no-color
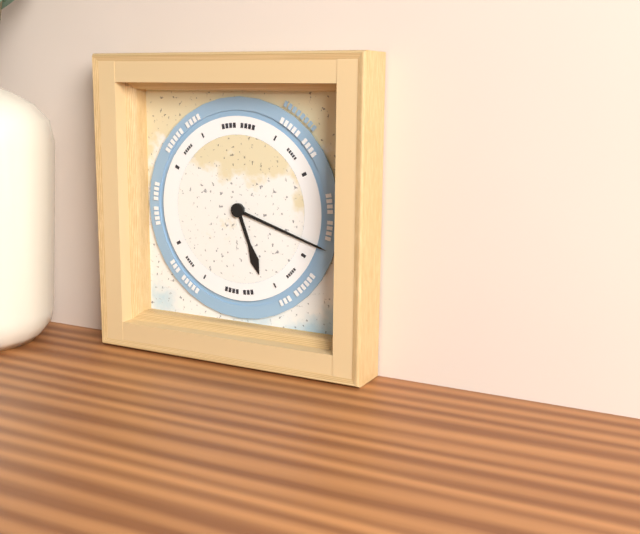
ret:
5:18
